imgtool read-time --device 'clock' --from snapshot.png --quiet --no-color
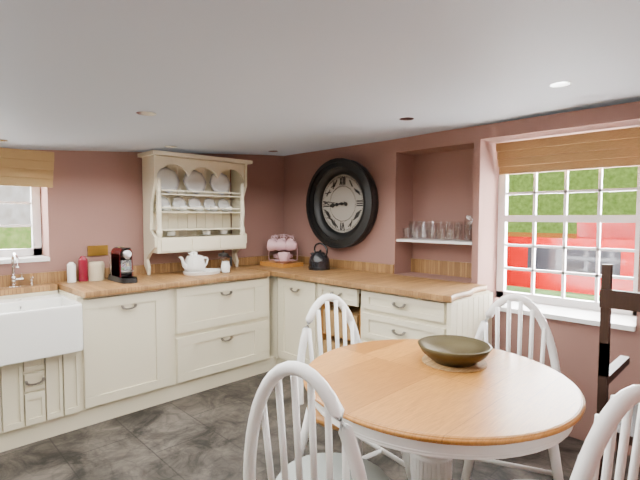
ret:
8:46
